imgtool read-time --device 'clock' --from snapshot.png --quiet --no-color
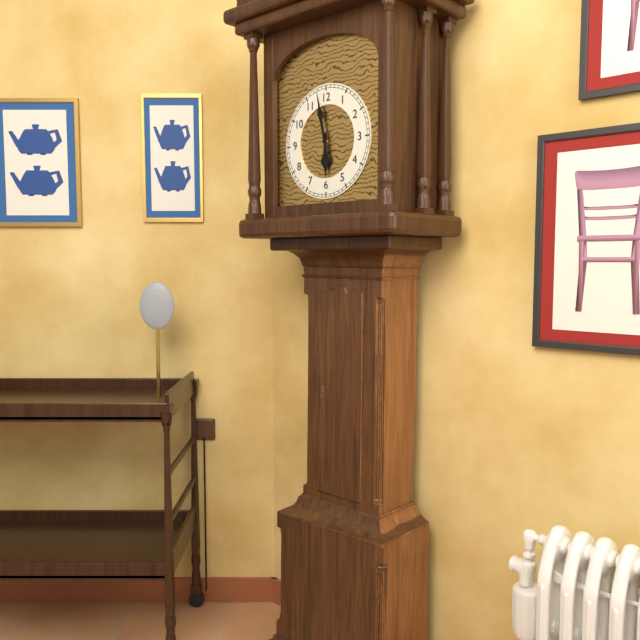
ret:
5:58
